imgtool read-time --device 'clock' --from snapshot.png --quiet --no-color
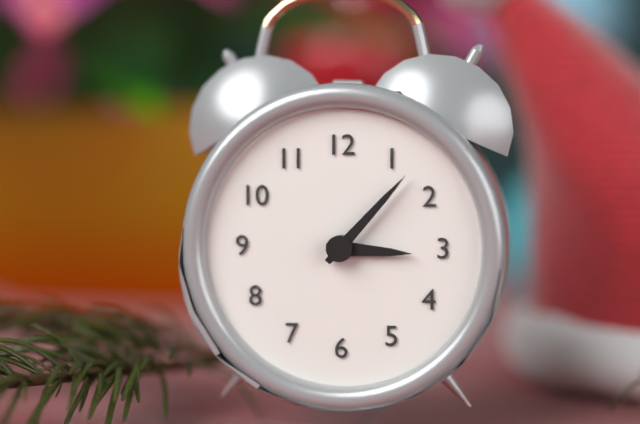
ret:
3:07
